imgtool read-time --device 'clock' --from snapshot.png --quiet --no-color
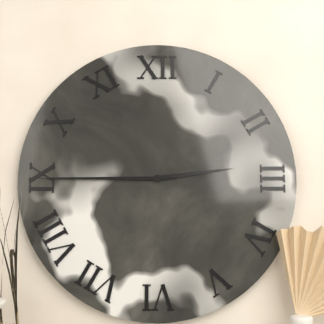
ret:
2:45
